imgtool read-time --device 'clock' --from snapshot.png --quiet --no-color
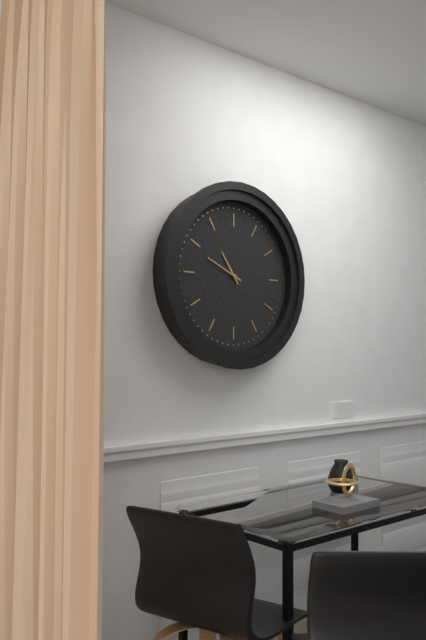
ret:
10:49
